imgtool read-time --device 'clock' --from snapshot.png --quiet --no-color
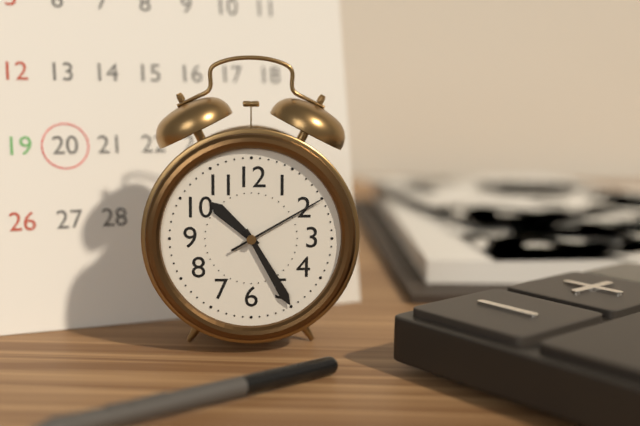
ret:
10:25:10
